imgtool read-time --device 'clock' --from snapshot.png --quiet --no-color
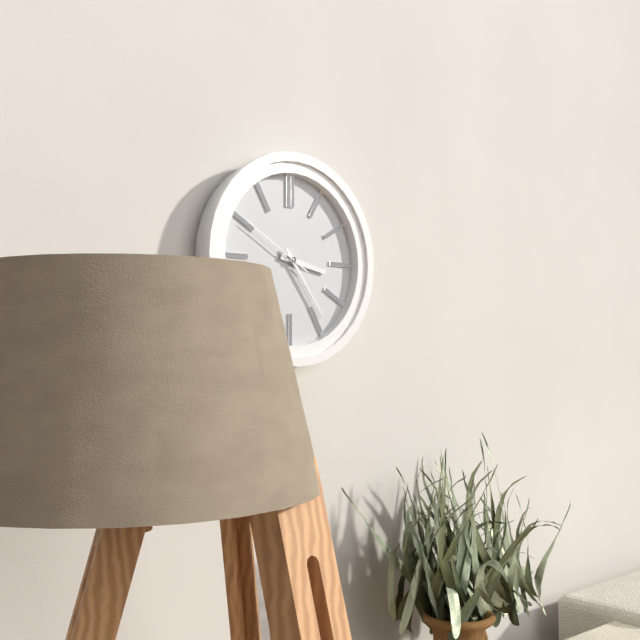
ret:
3:24:50
